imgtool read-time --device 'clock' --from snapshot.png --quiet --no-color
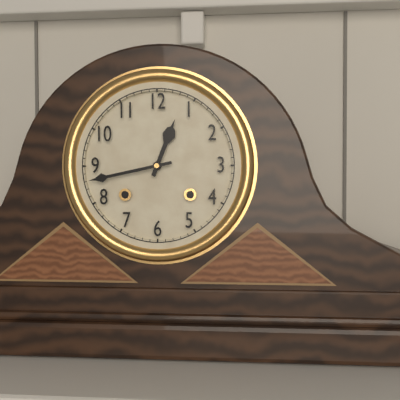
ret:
12:43
